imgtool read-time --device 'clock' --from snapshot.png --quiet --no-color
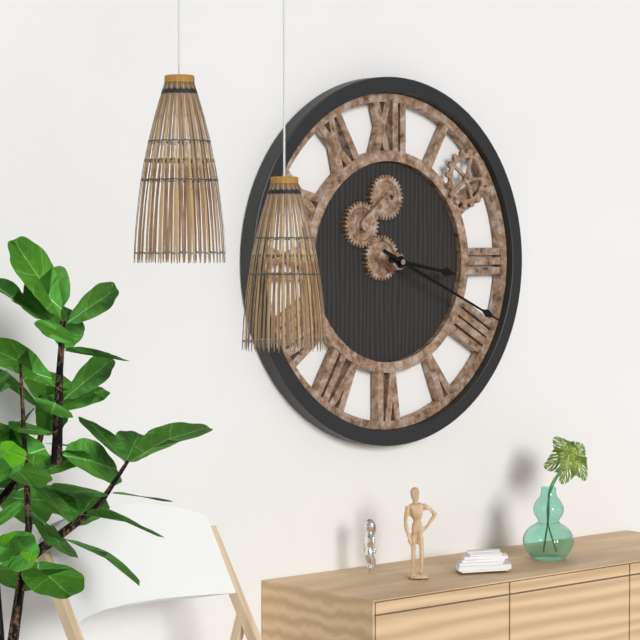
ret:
3:19
